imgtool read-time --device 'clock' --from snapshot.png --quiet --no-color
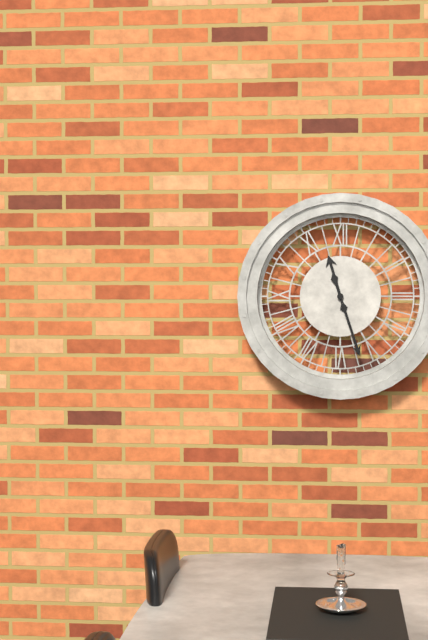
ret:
11:27
